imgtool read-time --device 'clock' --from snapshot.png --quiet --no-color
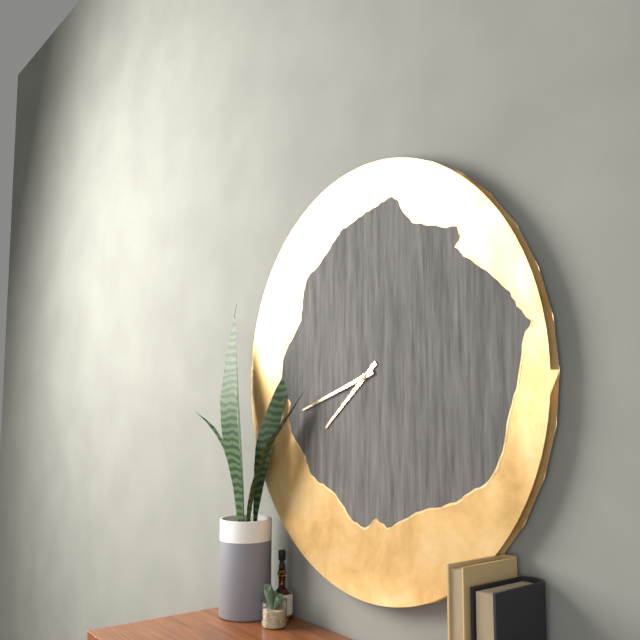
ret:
7:42
